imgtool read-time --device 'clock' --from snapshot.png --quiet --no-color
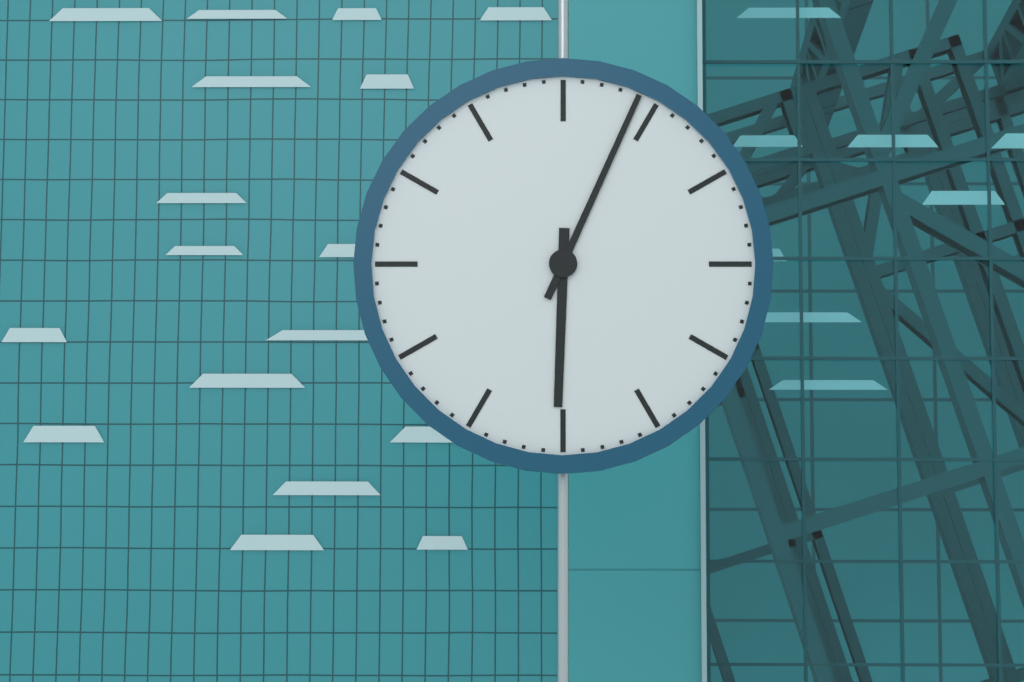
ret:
6:04
